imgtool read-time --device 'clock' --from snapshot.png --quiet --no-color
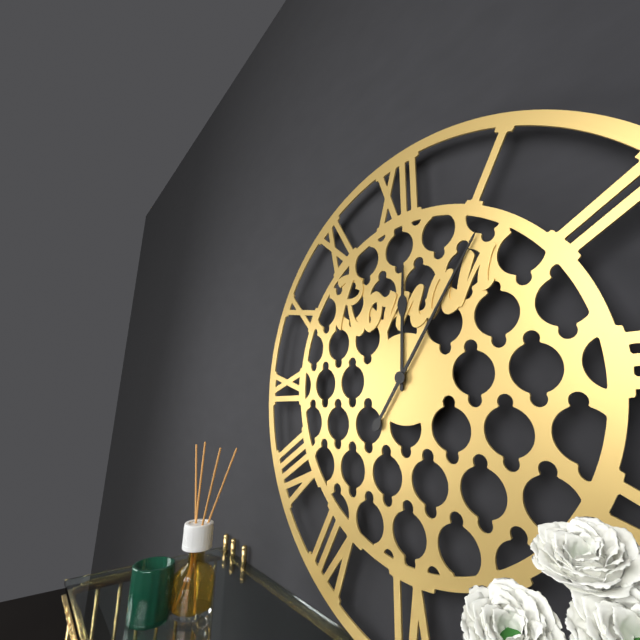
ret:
12:06
